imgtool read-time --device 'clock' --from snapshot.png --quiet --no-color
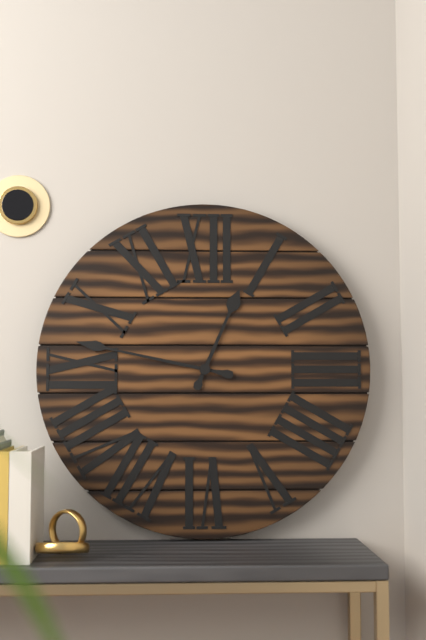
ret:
12:47
